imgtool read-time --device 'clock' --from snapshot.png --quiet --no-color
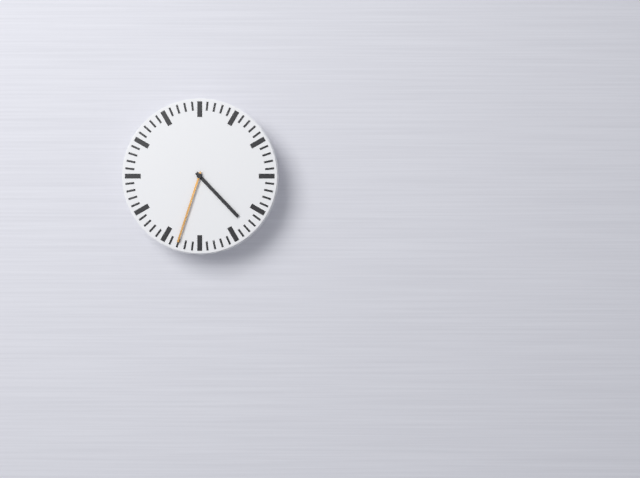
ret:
4:33
